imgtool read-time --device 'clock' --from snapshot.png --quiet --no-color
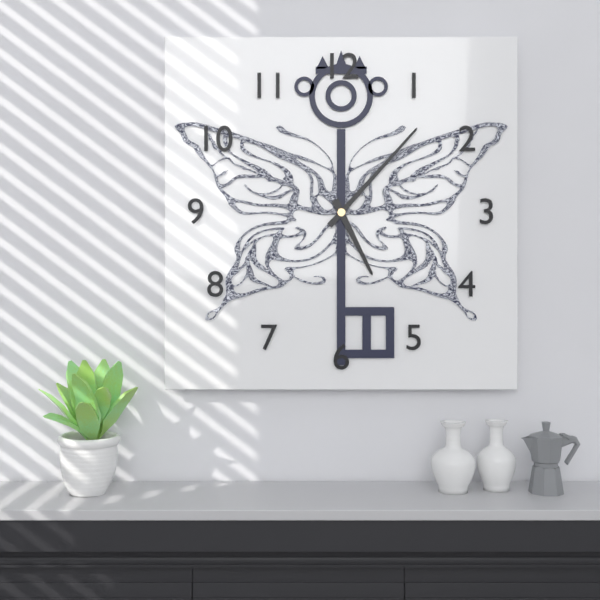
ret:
5:07
